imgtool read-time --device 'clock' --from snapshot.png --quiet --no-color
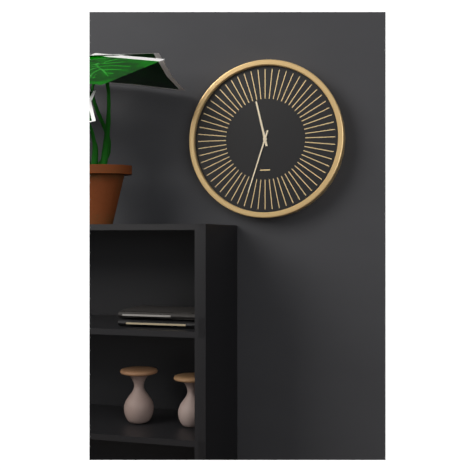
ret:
11:33
